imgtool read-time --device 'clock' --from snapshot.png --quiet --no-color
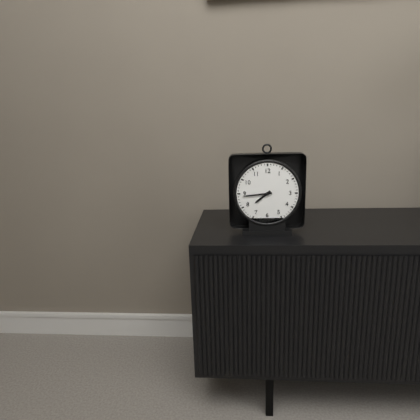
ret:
7:44
